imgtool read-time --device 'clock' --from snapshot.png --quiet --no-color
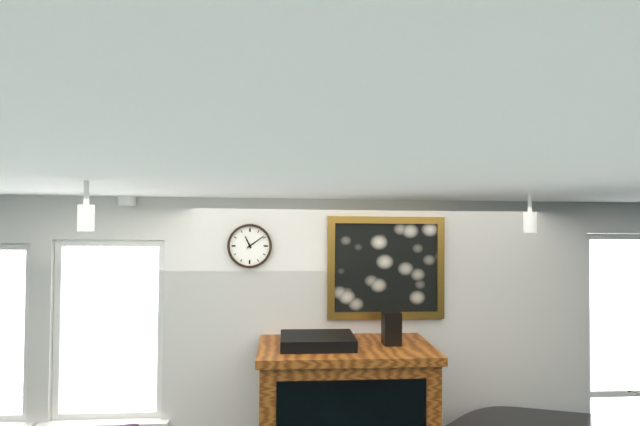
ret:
11:09
